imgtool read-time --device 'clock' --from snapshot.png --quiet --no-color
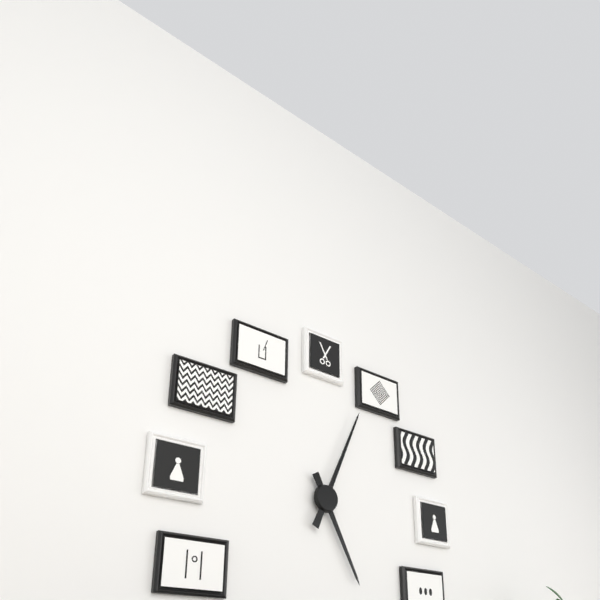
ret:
5:04
